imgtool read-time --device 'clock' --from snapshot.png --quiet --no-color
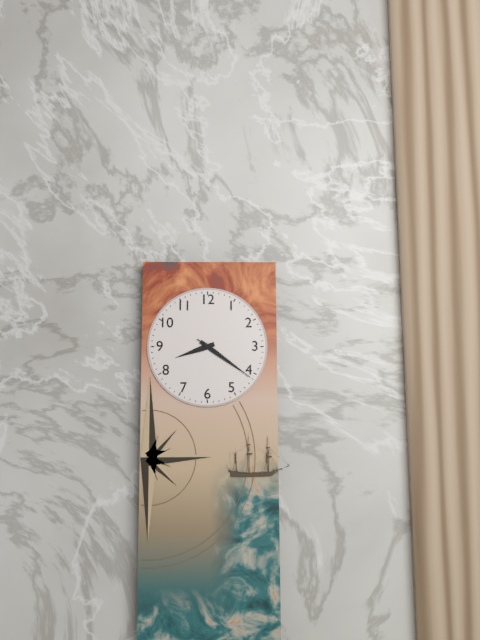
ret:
8:21:21
